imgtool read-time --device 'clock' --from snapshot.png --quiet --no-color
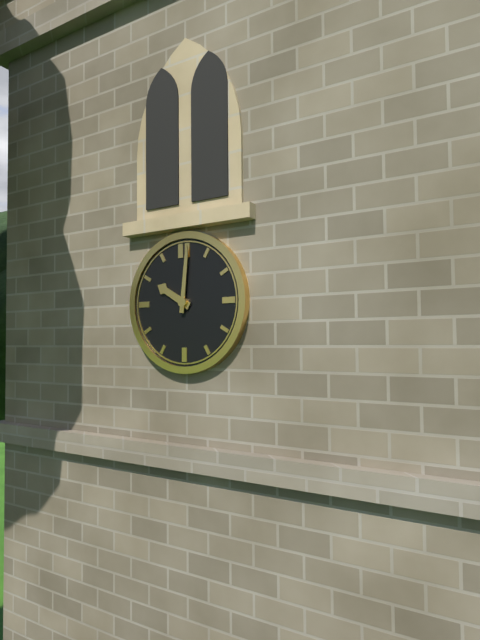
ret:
10:01
